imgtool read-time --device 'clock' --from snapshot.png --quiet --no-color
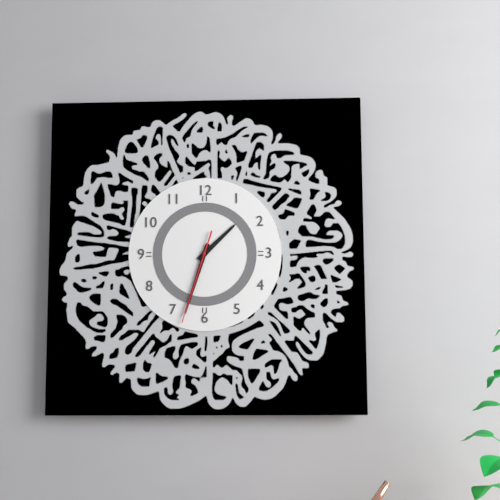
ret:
1:33:33
